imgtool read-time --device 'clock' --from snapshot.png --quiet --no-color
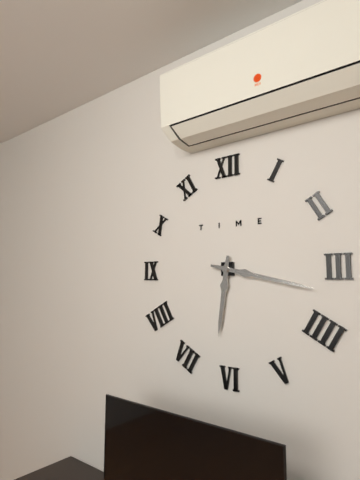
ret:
6:17
